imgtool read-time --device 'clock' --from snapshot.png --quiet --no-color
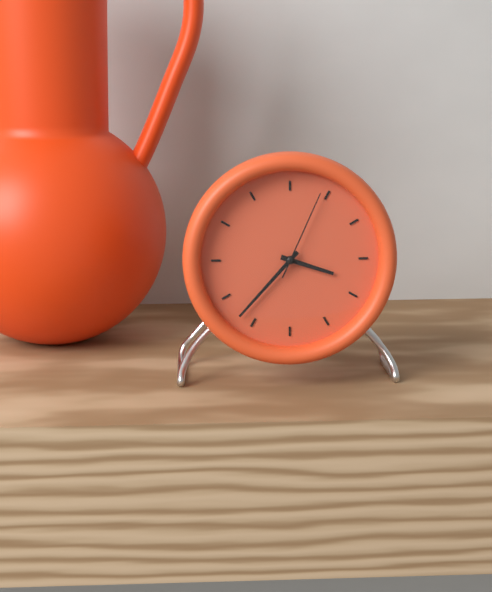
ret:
3:37:04
